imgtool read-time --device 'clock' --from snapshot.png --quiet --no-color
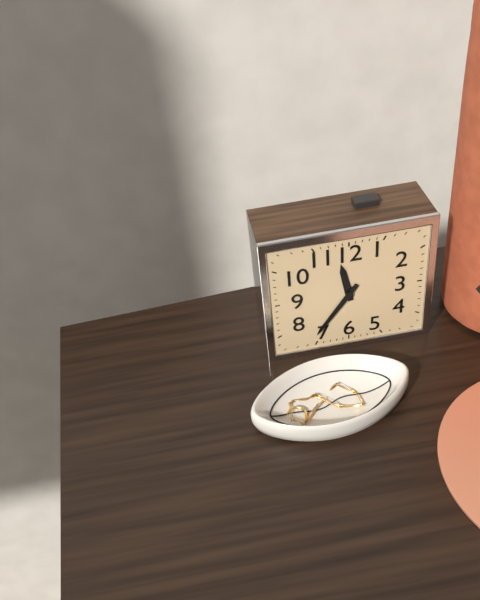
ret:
11:36
